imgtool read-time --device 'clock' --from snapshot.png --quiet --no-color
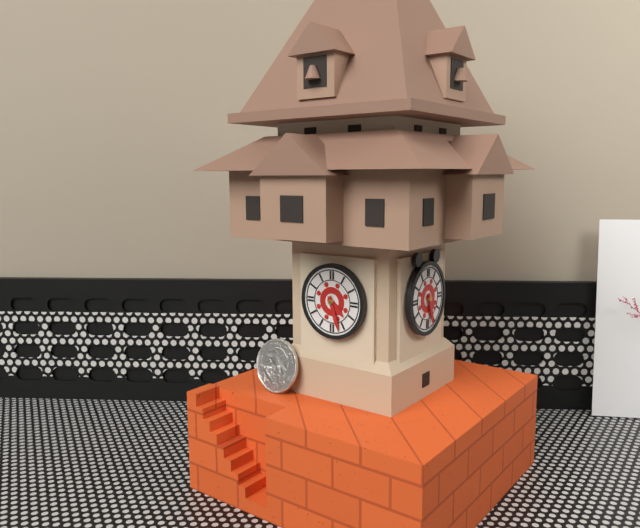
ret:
4:27
